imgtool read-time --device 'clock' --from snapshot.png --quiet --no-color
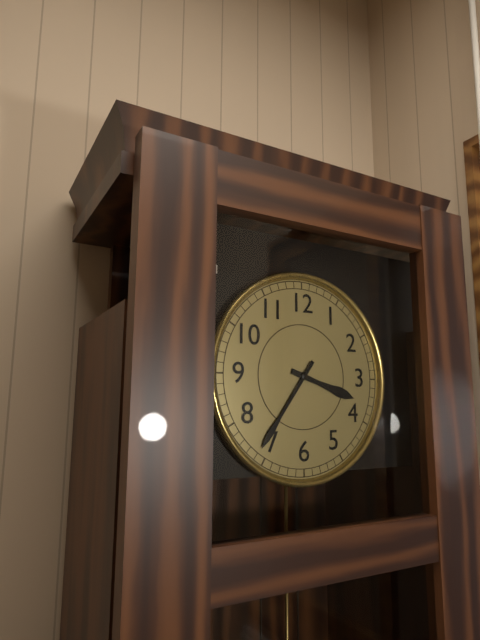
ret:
3:36
